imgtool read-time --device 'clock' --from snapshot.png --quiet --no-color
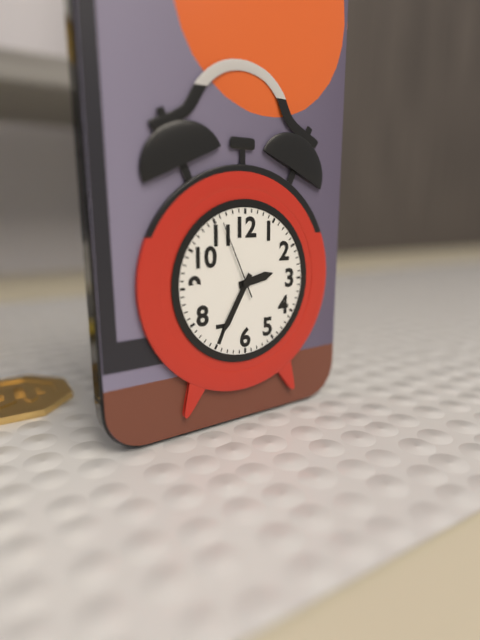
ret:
2:35:56
